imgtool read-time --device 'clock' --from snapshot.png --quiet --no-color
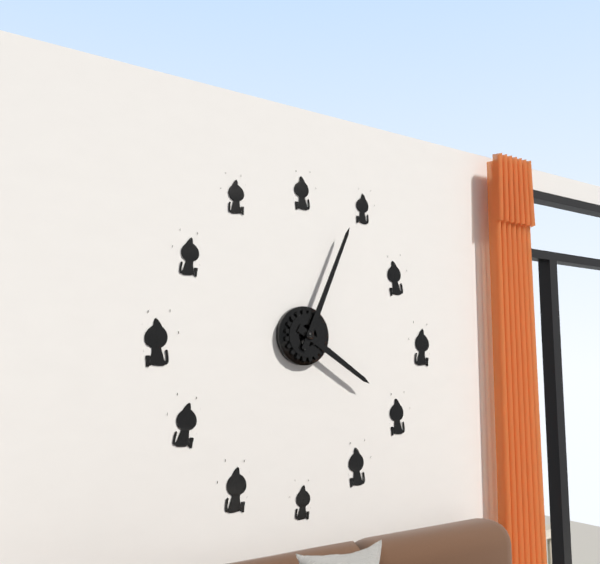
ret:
4:04
